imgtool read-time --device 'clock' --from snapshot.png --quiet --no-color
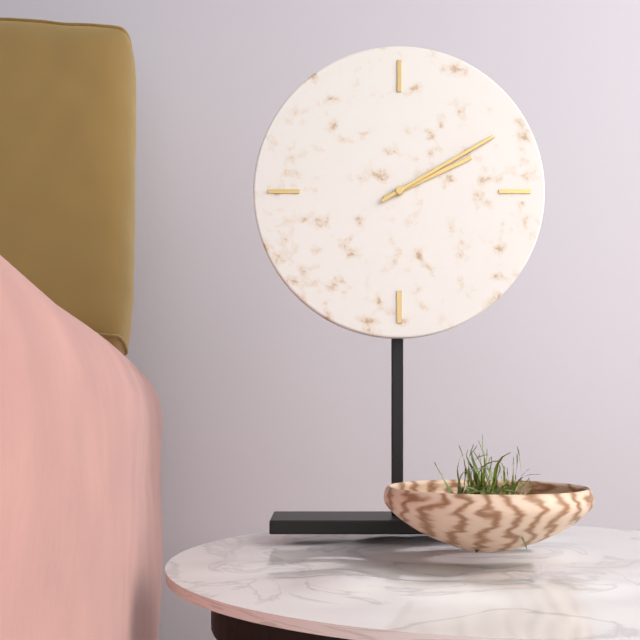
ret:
2:10
